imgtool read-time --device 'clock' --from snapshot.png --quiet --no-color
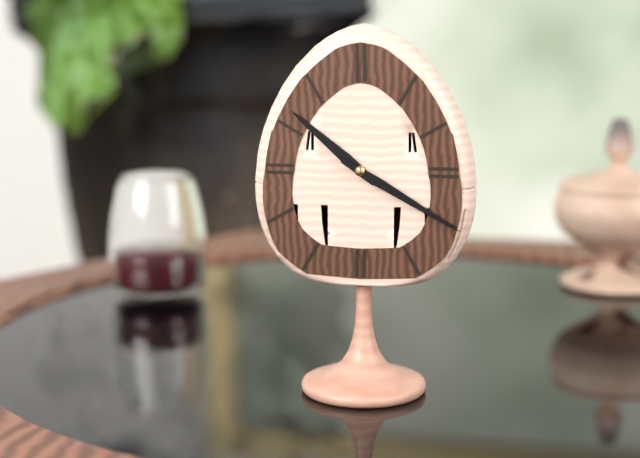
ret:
10:20
